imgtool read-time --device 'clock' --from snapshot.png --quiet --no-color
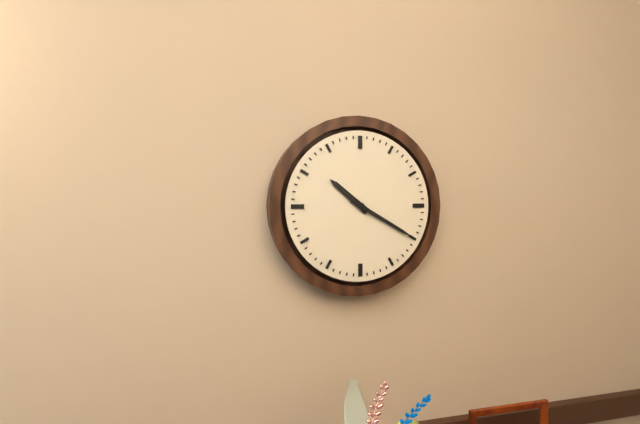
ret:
10:20
